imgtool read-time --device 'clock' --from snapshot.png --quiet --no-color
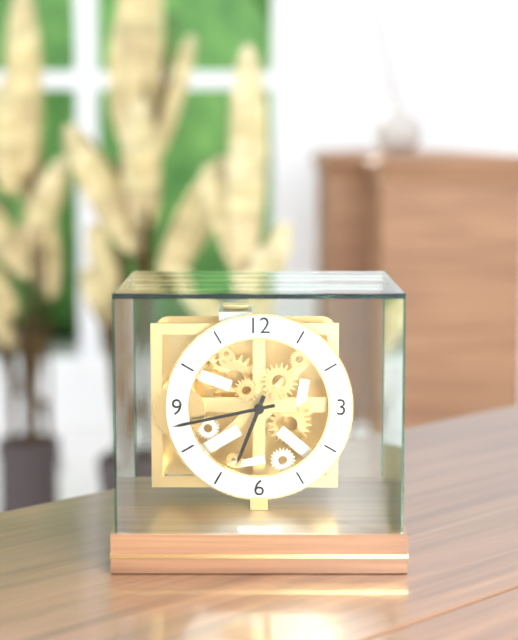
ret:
6:43
